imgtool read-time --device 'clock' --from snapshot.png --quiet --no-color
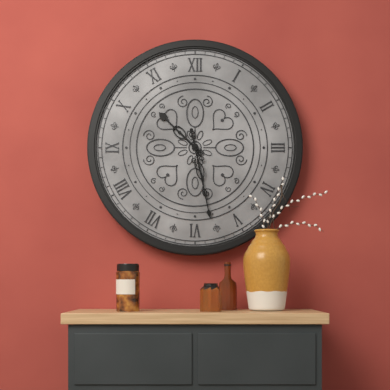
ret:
10:28
